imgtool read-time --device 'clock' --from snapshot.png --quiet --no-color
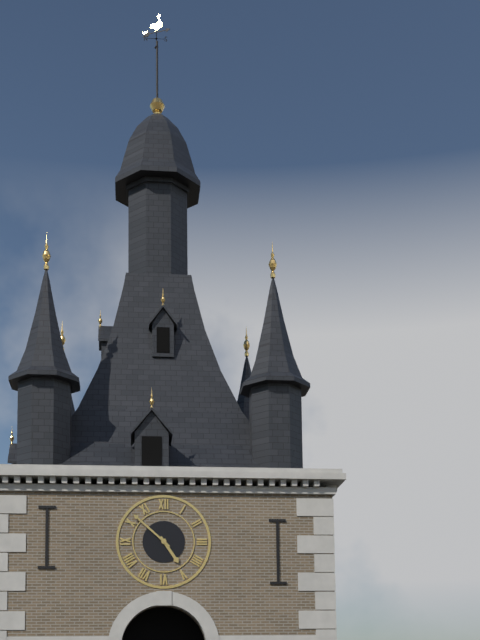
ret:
4:52
